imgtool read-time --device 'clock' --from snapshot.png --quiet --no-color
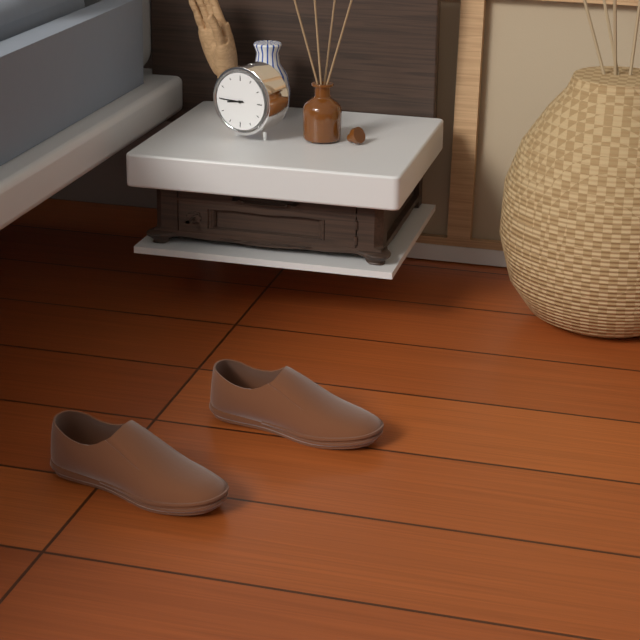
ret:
8:45
